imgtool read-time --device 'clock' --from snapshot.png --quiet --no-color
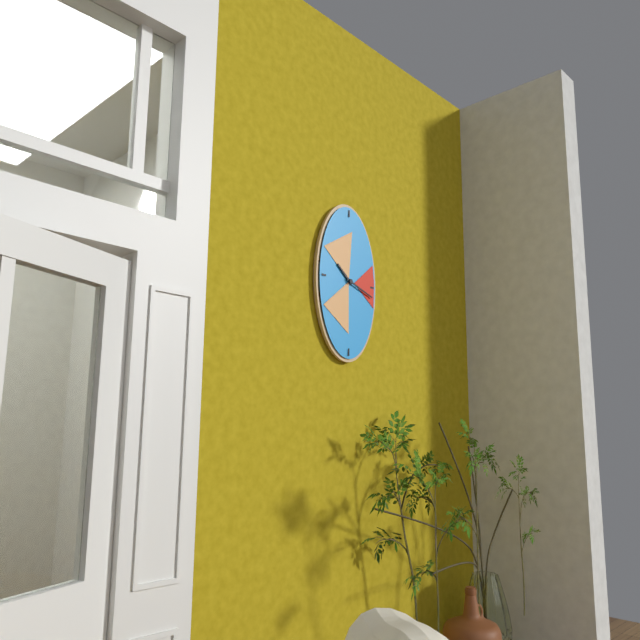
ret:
10:18
